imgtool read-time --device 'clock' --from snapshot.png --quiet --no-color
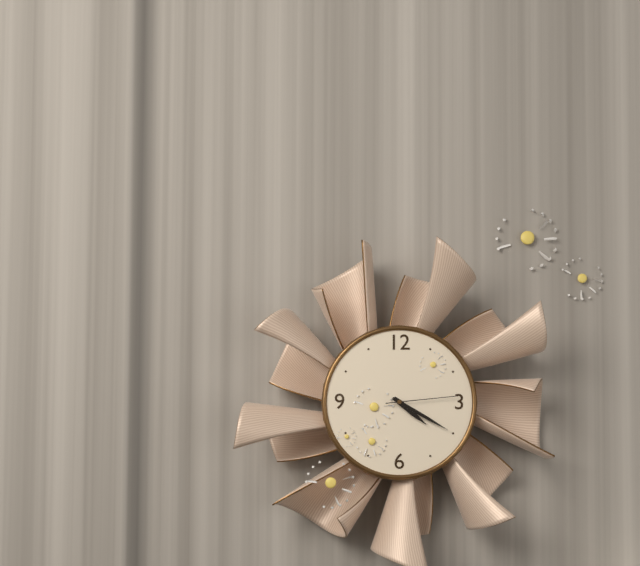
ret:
4:20:14
